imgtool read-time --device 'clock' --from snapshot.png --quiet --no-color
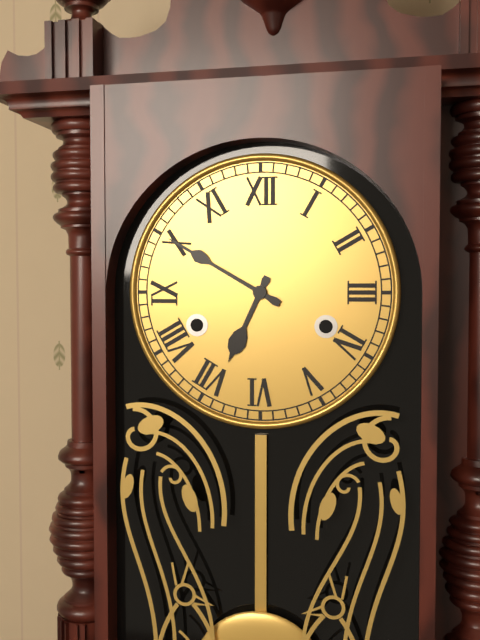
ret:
6:50
